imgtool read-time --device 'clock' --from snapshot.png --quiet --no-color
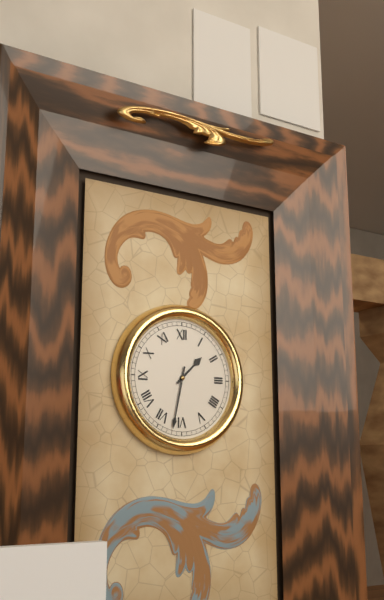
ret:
1:32
